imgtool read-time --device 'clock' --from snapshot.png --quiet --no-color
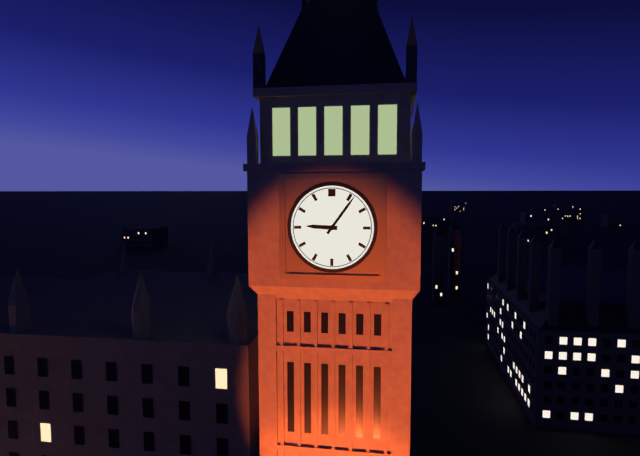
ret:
9:06
